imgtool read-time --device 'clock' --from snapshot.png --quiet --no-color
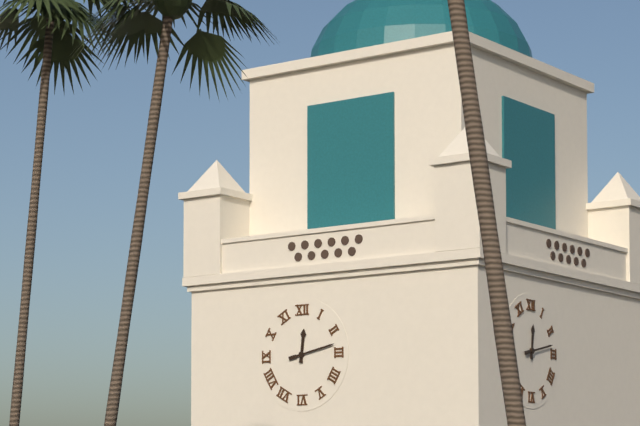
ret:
12:13
